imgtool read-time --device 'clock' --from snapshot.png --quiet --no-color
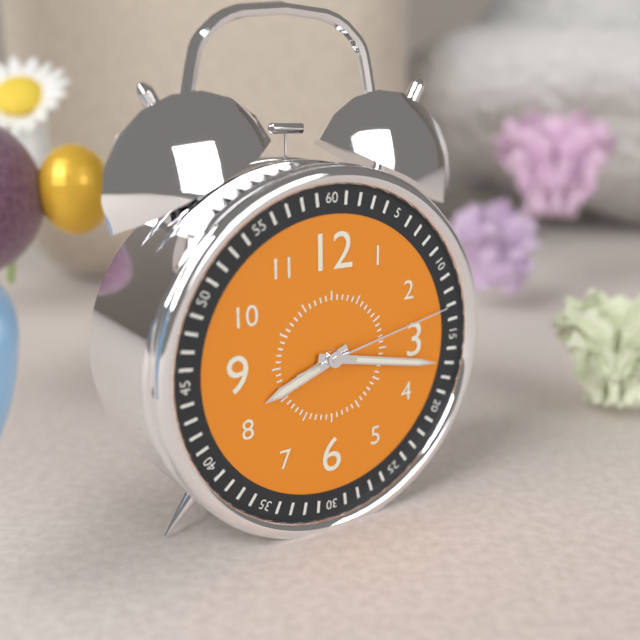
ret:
8:17:13
